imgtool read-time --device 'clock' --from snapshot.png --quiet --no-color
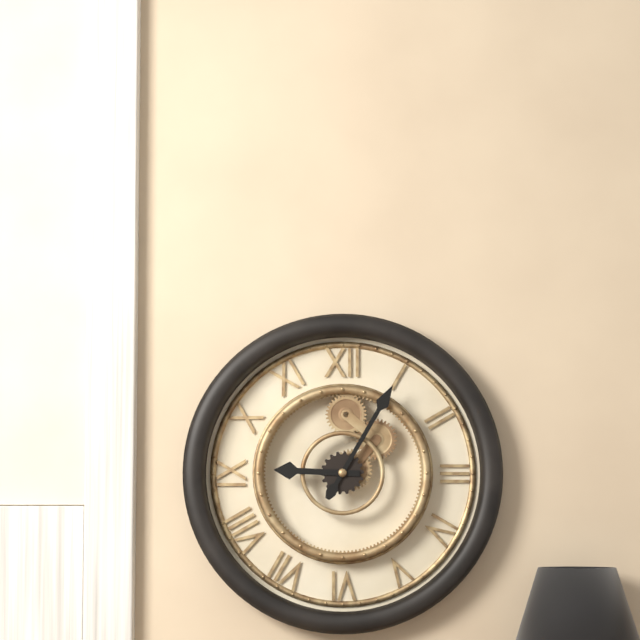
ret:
9:05
